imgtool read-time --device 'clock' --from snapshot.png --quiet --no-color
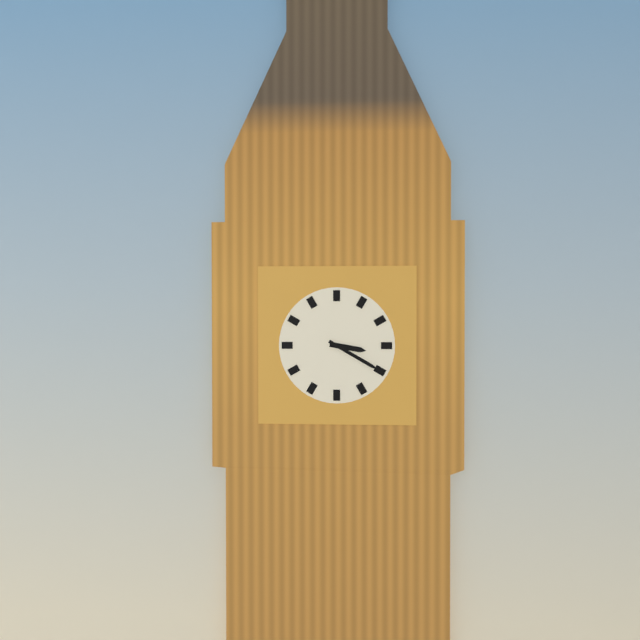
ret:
3:20
